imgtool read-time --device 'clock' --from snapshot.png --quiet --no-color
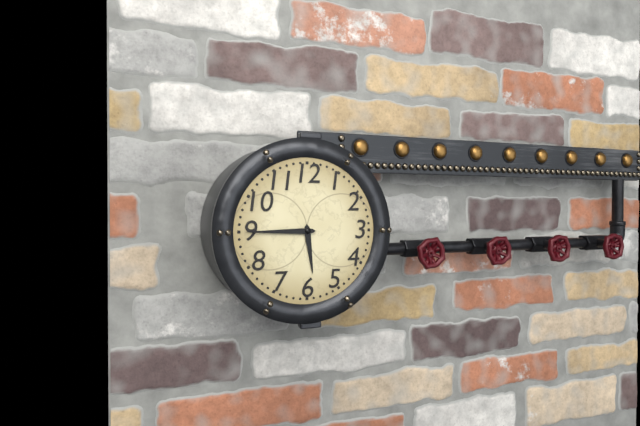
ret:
5:45
